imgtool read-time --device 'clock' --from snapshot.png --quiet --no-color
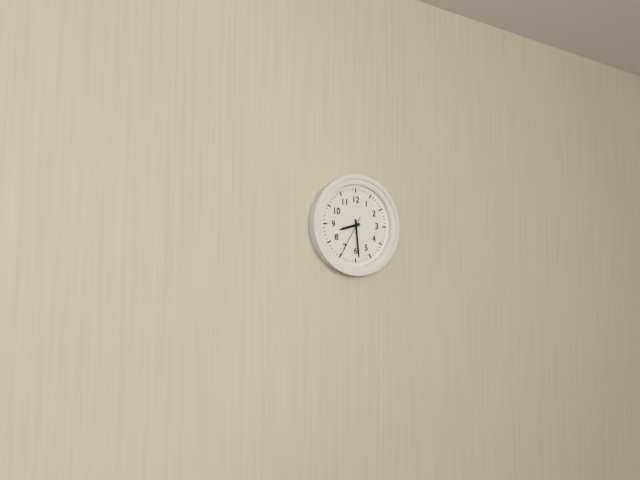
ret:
8:29
